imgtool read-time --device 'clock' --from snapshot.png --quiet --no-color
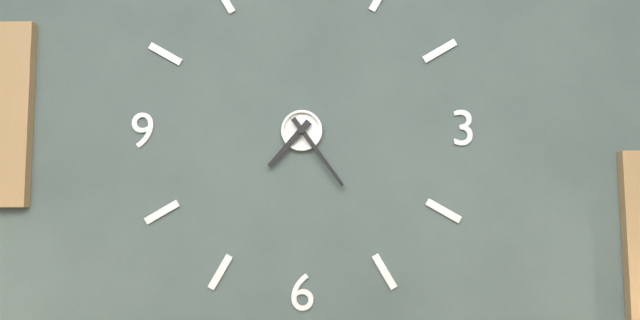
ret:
7:24
